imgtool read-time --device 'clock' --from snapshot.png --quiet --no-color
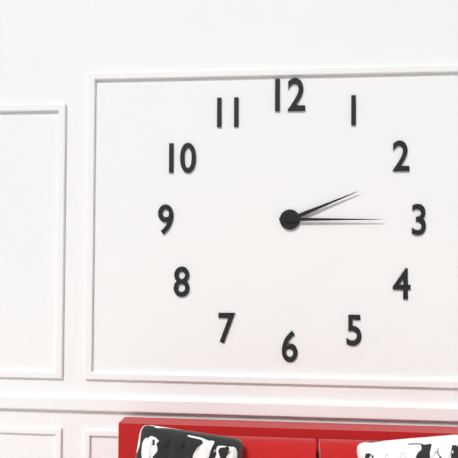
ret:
2:15
